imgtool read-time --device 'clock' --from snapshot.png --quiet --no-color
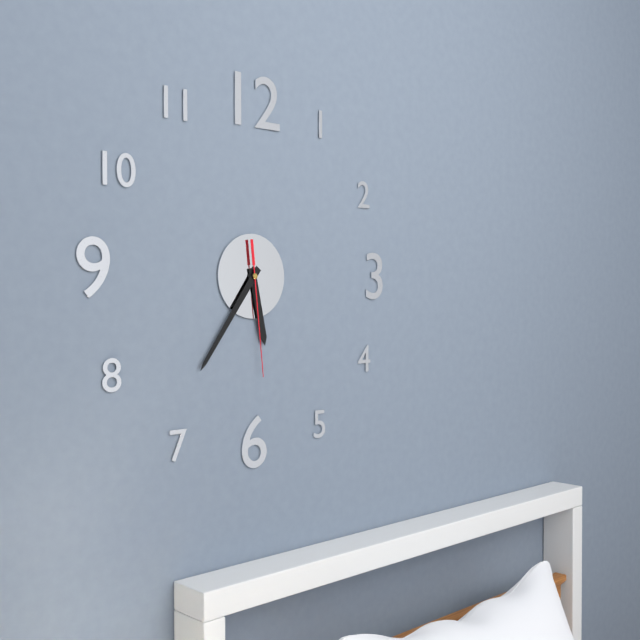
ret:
5:36:29
